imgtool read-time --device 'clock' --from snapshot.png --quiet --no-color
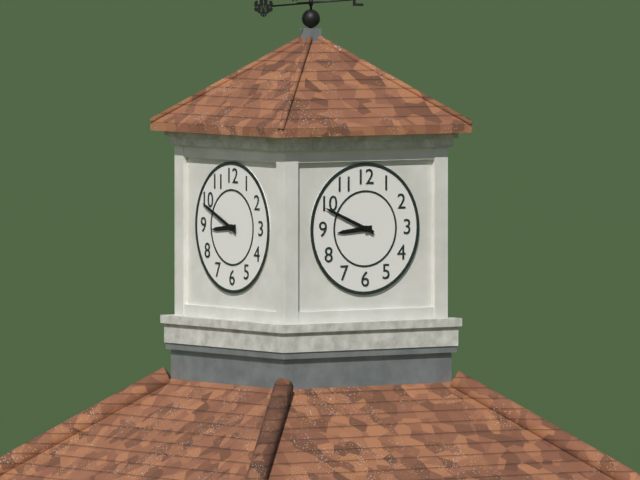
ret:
8:49
